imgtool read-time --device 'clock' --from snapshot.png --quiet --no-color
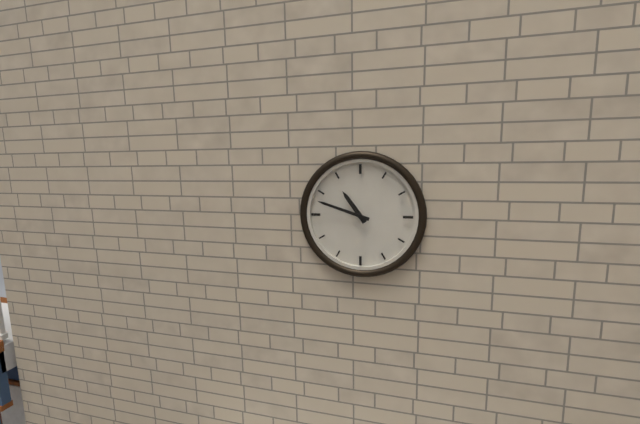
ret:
10:48
